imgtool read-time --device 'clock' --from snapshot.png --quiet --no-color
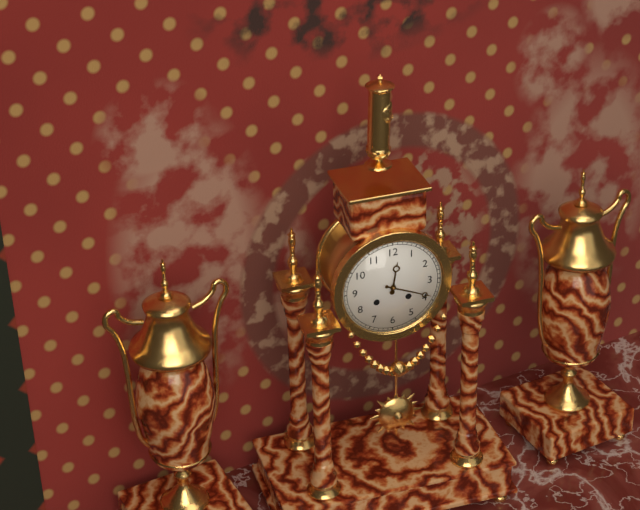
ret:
12:19
